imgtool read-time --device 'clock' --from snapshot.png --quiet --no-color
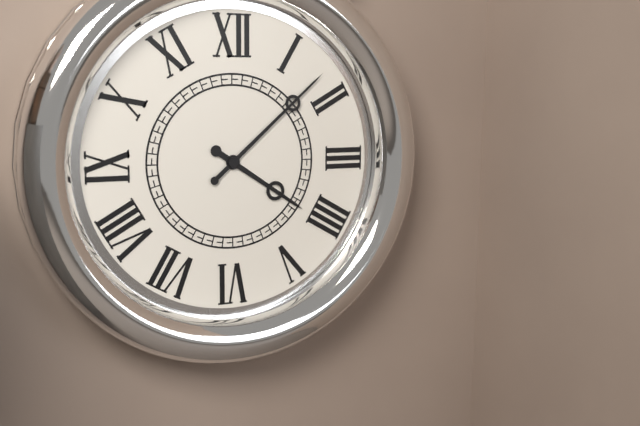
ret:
4:08
